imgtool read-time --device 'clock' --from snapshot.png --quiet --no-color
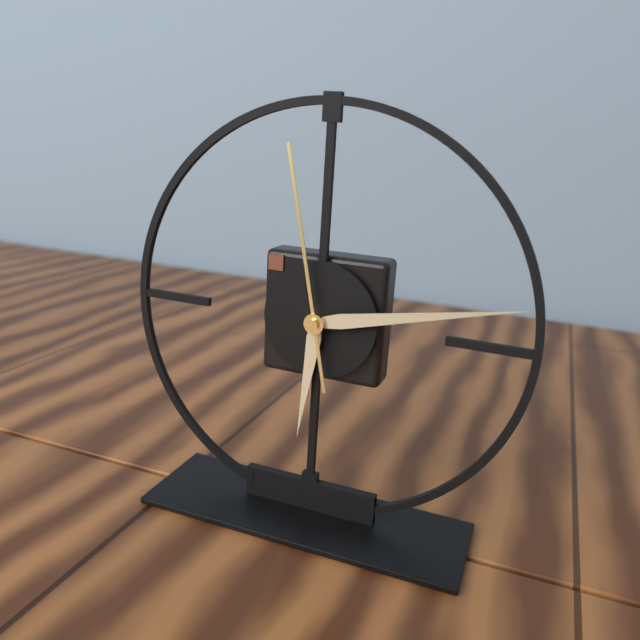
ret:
6:13:58
